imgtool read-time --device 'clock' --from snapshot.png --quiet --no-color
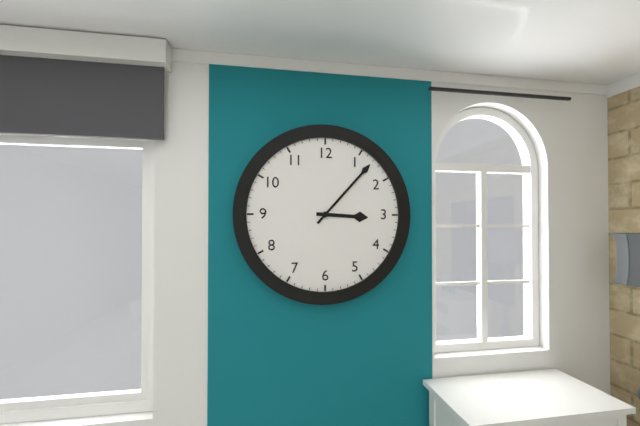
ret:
3:07
